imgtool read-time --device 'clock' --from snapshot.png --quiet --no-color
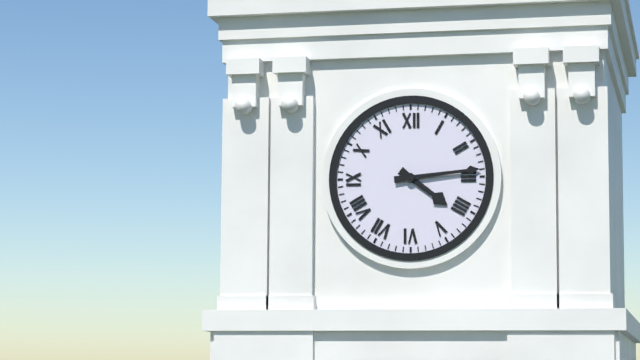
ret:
4:14
